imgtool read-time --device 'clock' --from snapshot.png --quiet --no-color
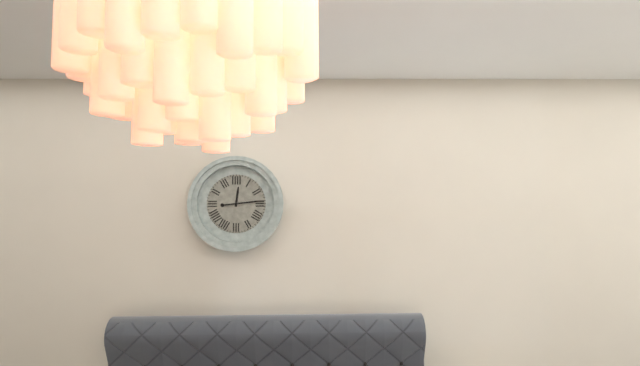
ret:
12:14
